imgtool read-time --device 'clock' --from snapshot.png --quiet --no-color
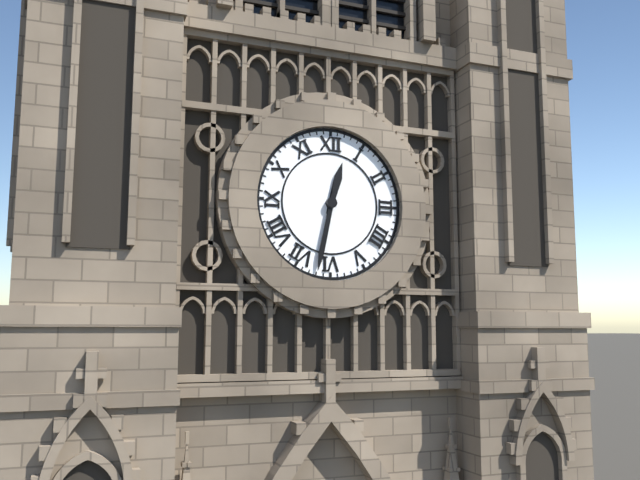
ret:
12:32
